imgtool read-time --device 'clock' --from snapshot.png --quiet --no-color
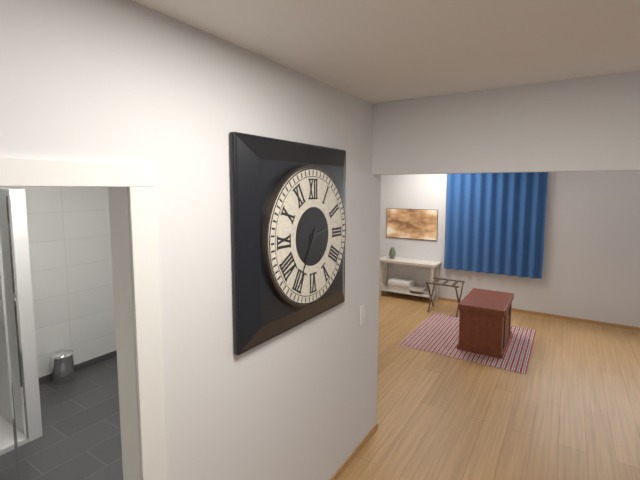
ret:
2:35
